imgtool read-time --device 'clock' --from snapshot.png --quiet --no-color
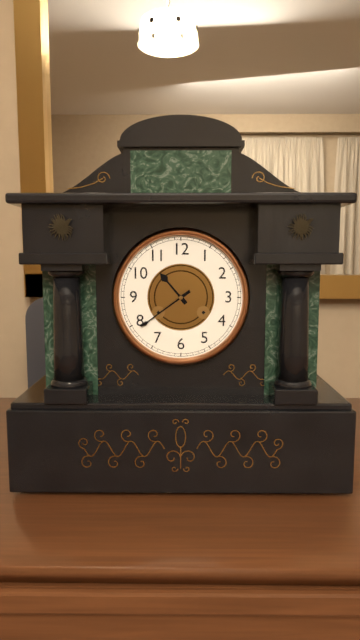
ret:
10:39
